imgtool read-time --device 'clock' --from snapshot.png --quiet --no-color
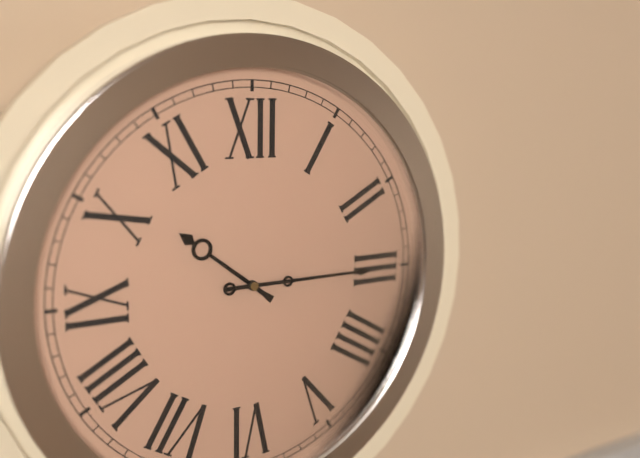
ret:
10:15
